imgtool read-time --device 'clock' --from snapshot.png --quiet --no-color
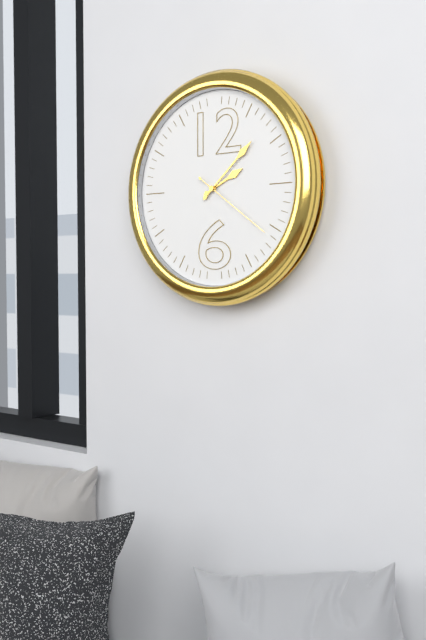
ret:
2:08:21
